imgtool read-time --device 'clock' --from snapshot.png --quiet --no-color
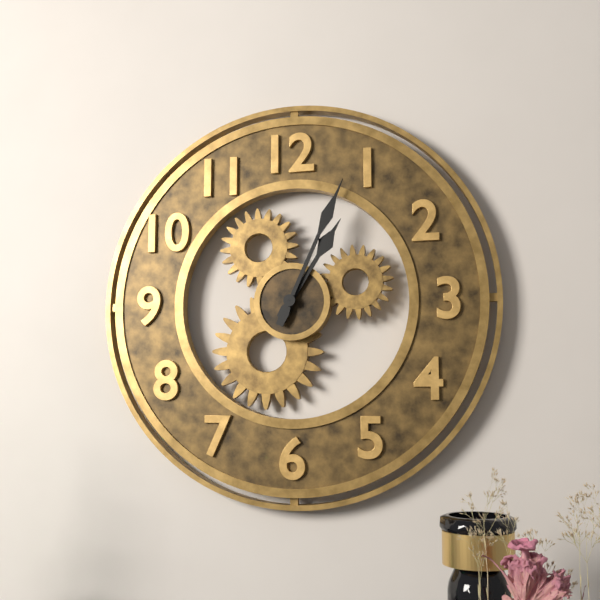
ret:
1:04
